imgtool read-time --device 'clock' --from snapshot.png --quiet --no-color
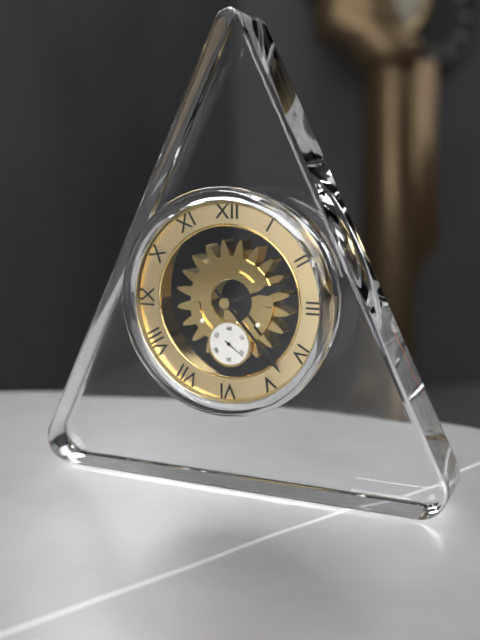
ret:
2:23
